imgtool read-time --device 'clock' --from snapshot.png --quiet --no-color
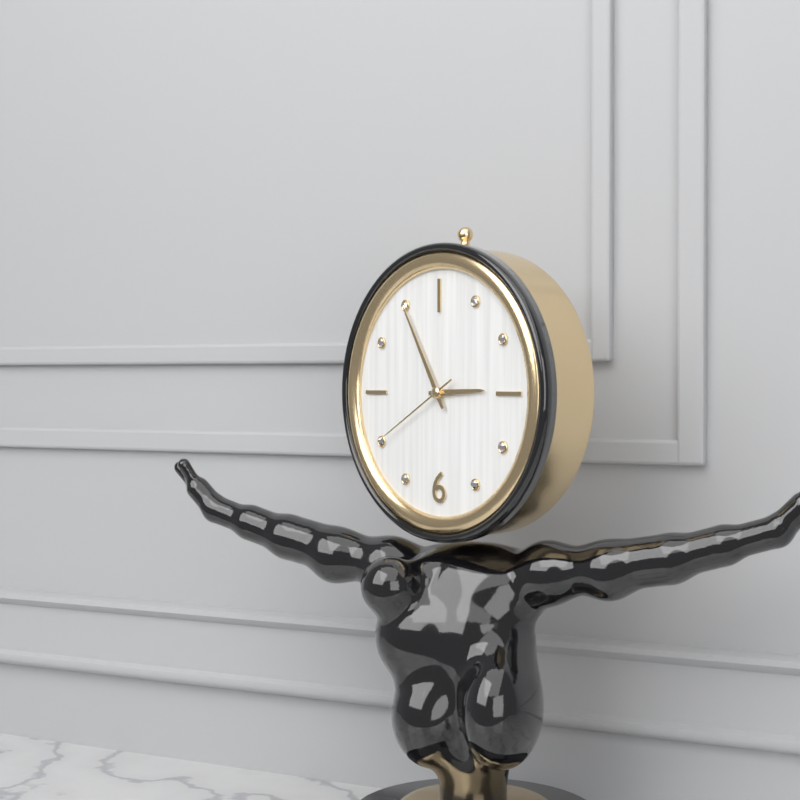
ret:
2:55:40
